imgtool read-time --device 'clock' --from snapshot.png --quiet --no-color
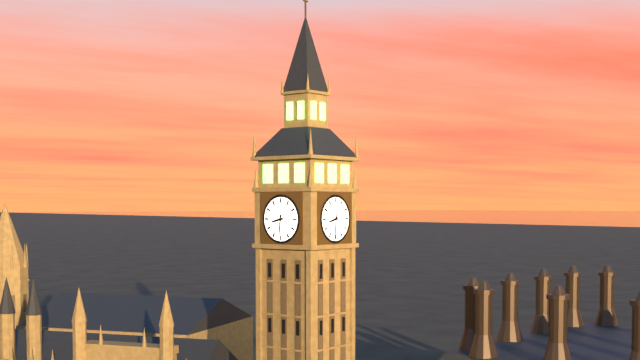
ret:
8:31
